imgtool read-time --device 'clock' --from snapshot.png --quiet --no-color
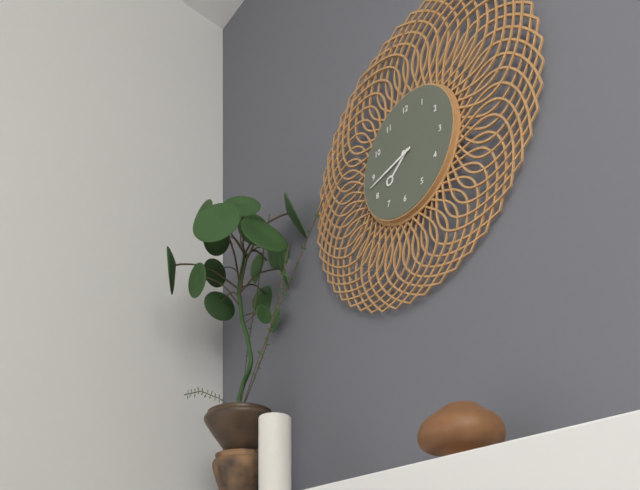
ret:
7:43
